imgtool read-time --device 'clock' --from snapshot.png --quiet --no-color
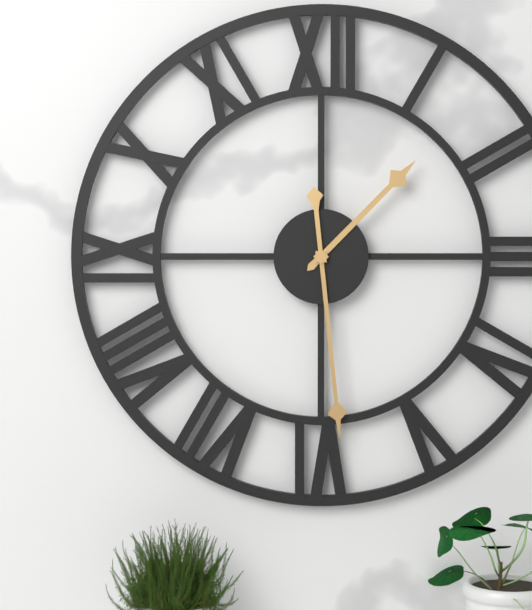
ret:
1:29
